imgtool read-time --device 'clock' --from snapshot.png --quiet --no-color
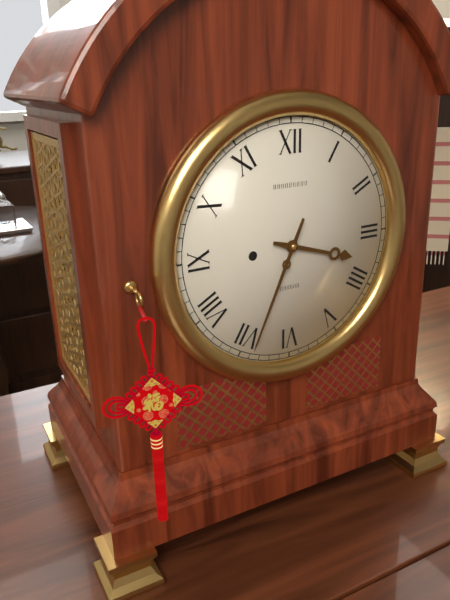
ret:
3:34
